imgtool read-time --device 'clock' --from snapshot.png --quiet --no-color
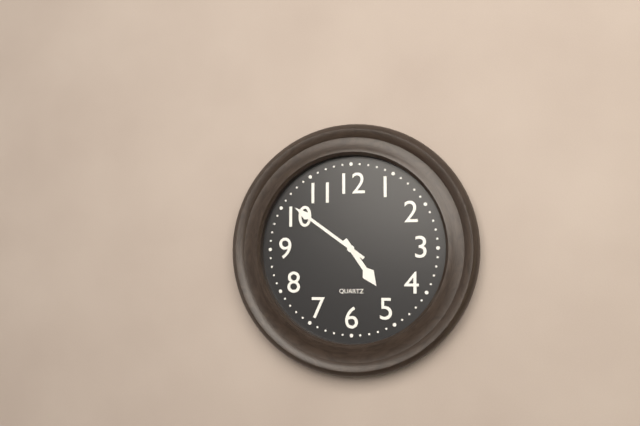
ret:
4:51
